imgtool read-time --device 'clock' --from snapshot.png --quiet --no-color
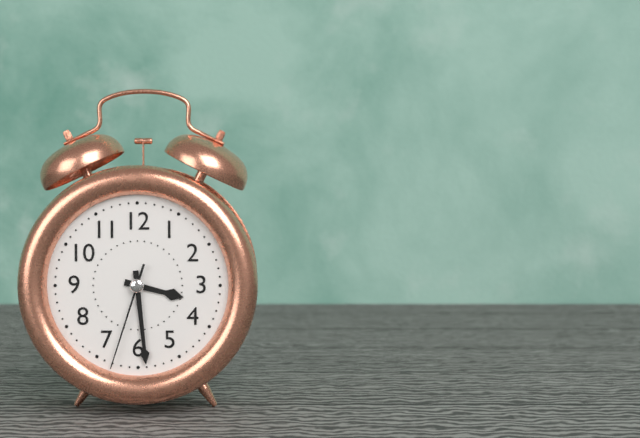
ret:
3:29:33
